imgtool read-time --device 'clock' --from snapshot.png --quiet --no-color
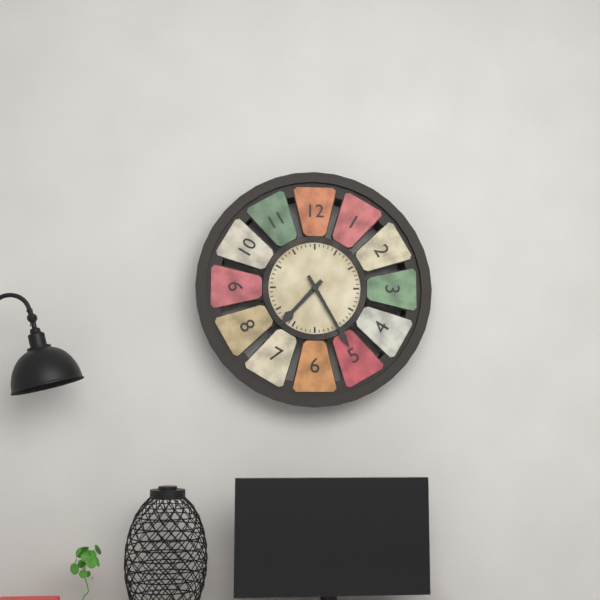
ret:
7:25
